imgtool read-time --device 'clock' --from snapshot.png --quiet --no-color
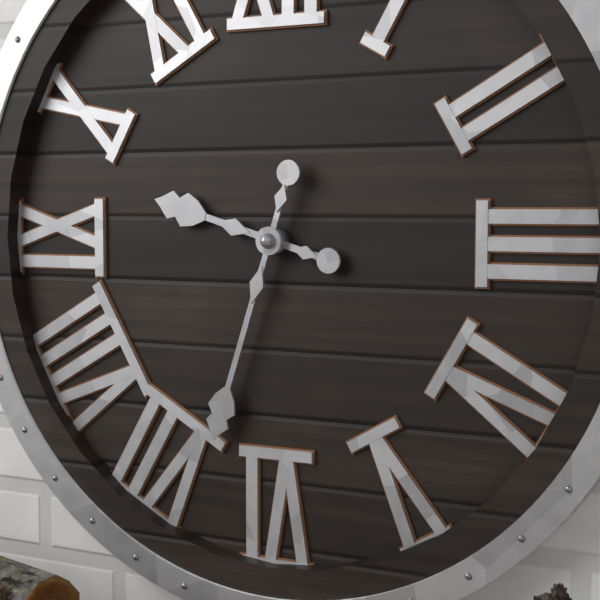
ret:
9:33
